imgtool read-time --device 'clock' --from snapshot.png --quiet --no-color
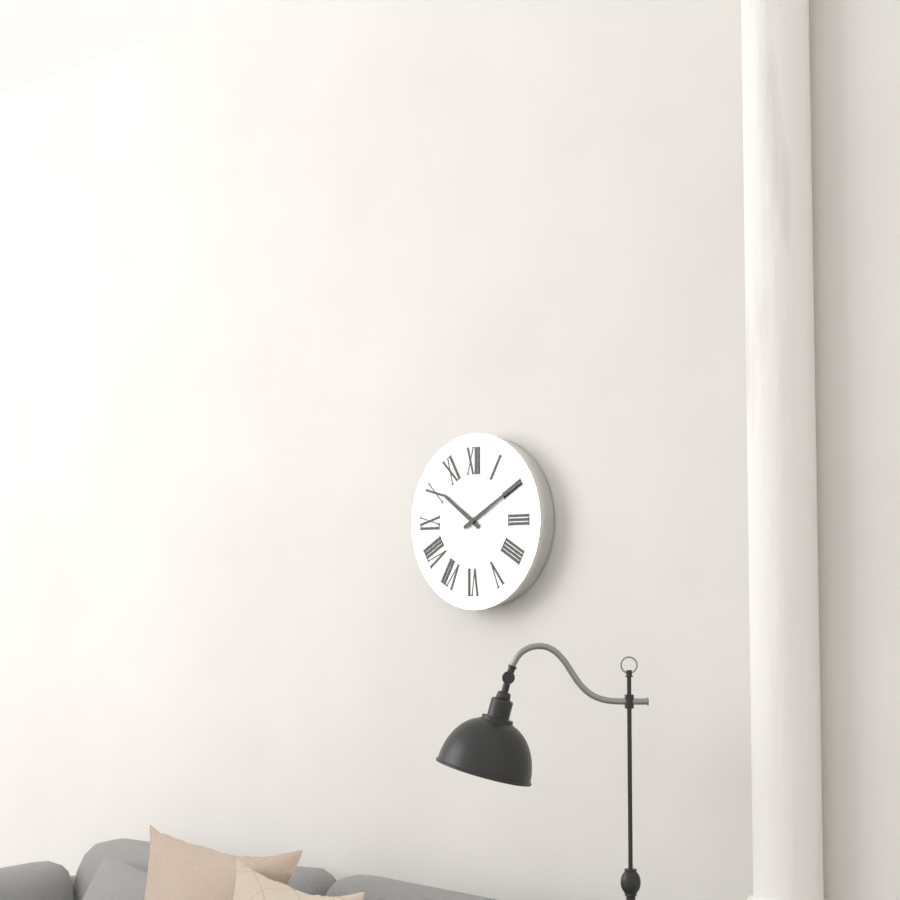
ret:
10:10
